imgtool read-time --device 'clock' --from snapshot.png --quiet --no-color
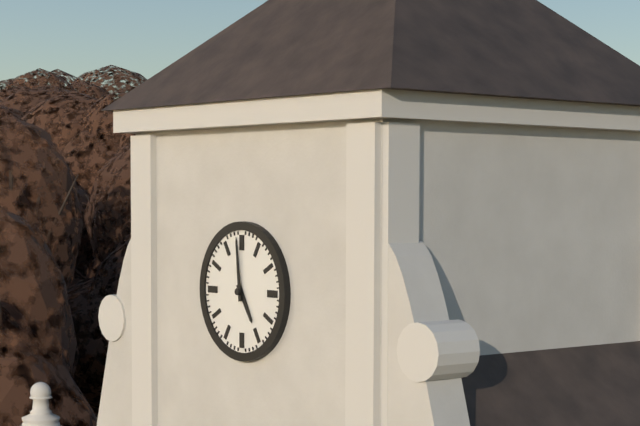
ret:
4:59
